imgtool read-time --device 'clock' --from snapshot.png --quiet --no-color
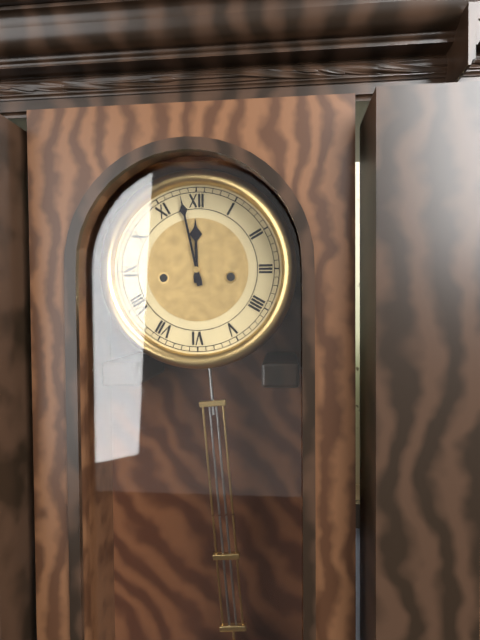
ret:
11:58
